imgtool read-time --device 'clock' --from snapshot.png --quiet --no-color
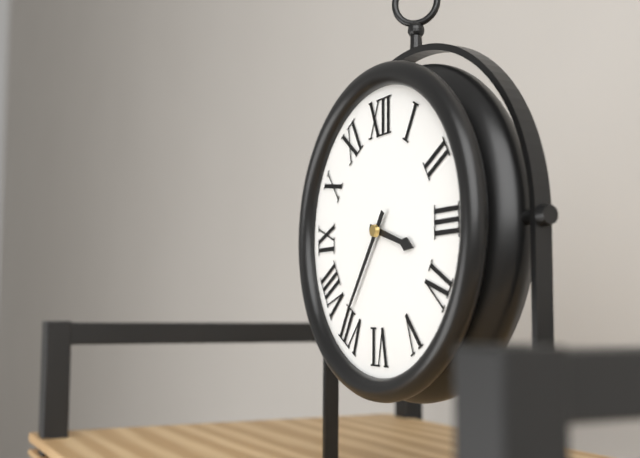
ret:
3:36
